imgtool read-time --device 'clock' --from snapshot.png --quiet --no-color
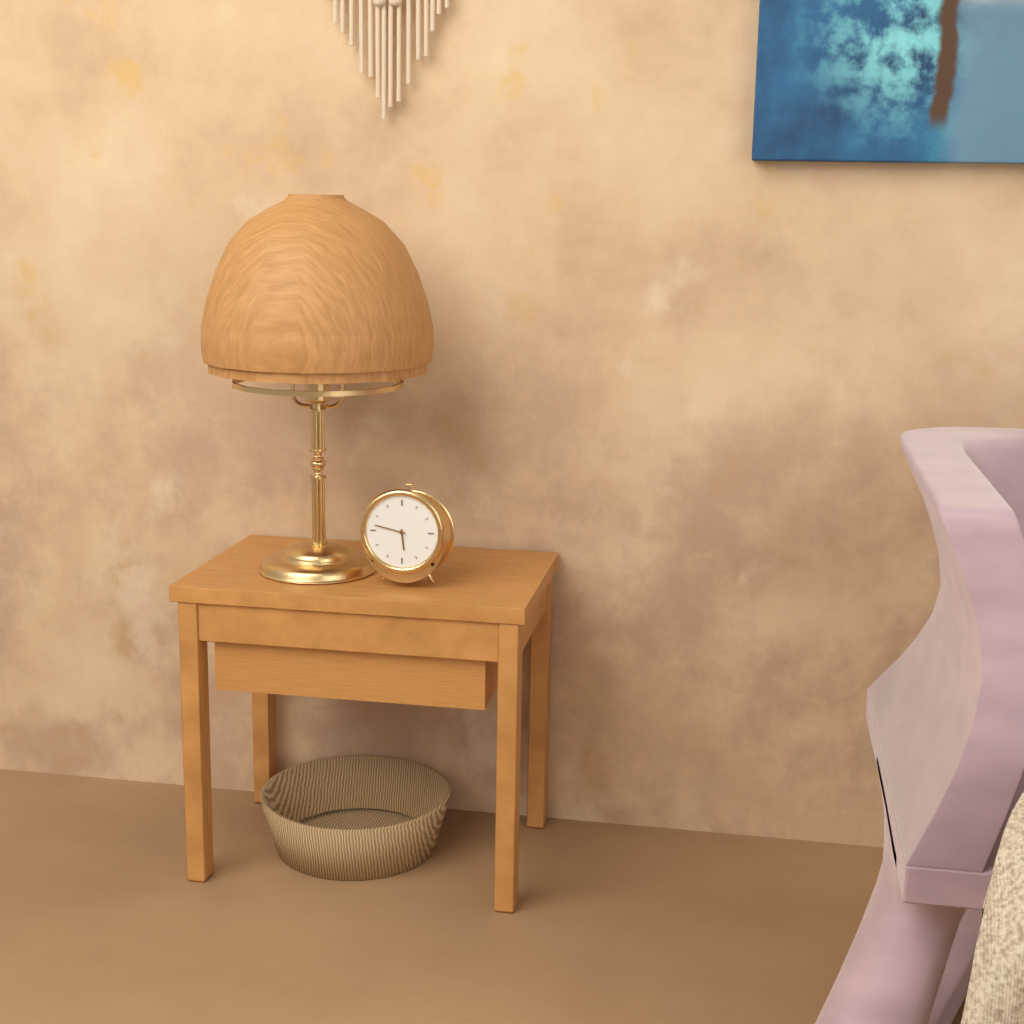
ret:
5:47
